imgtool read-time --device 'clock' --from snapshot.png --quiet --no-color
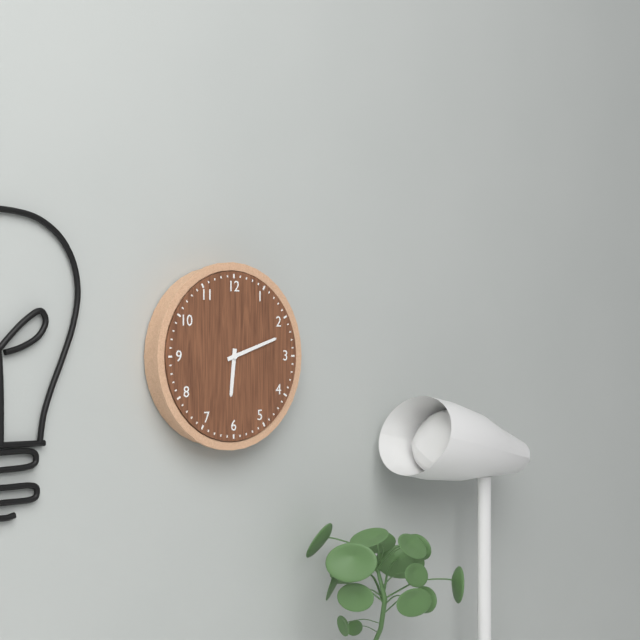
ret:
6:12
